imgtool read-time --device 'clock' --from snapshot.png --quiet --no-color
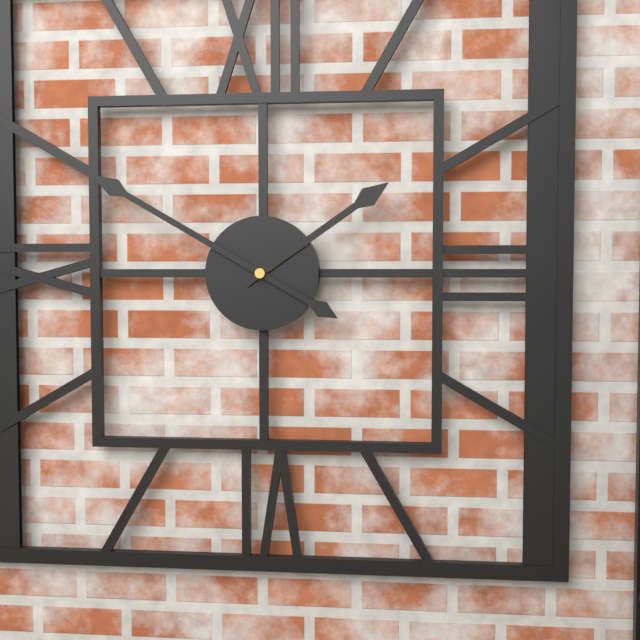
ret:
1:50
